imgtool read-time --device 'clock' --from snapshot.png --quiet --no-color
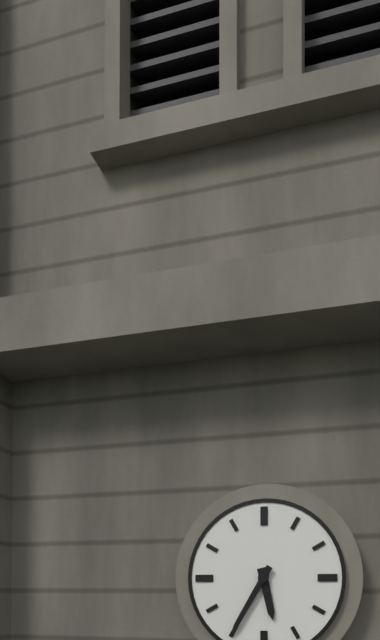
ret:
5:35
